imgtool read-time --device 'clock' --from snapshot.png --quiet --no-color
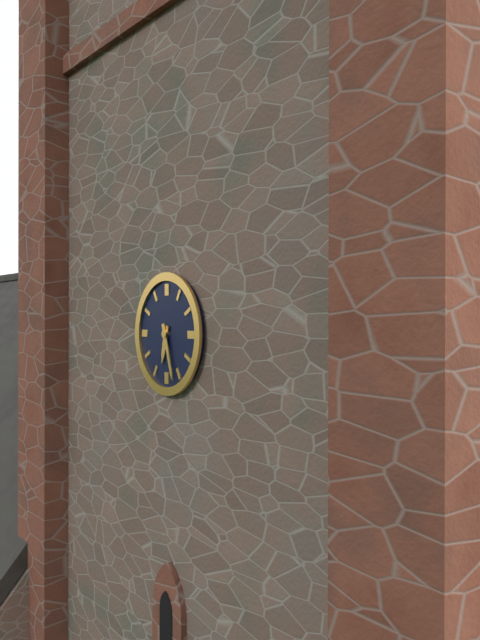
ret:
6:27
